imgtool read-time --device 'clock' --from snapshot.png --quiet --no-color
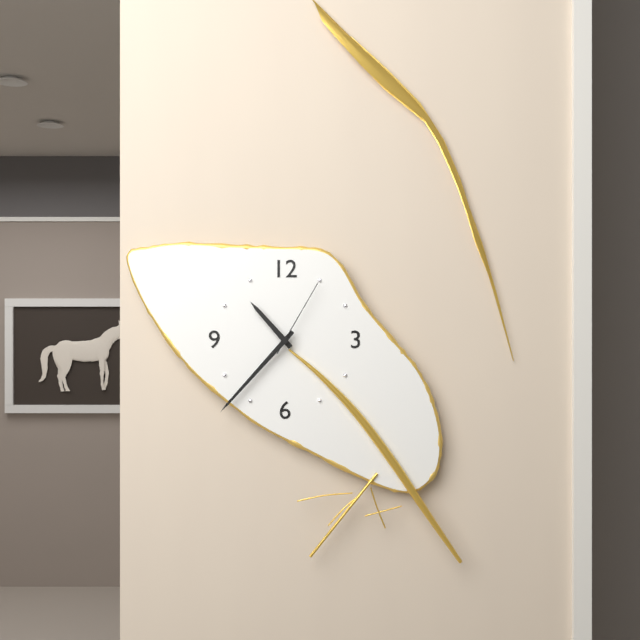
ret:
10:37:05
